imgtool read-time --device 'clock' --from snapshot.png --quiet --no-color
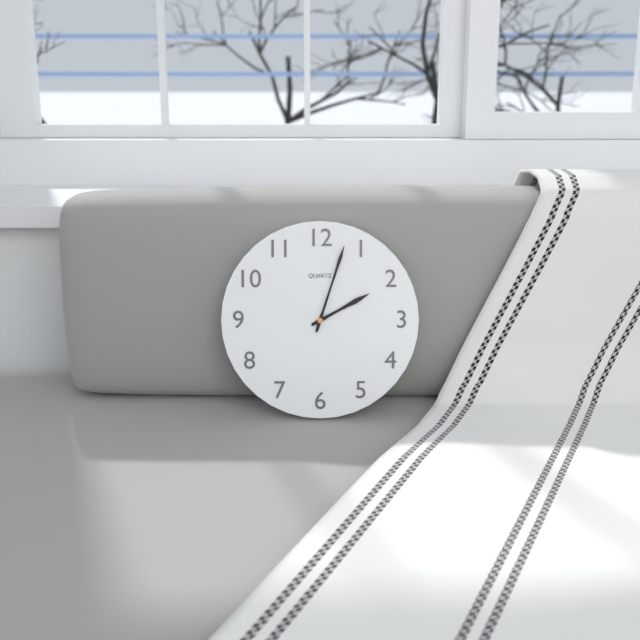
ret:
2:03
